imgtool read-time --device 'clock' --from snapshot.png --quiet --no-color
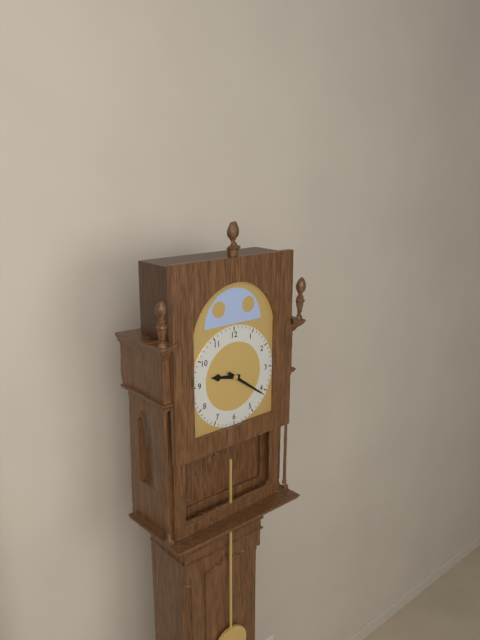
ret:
9:21
